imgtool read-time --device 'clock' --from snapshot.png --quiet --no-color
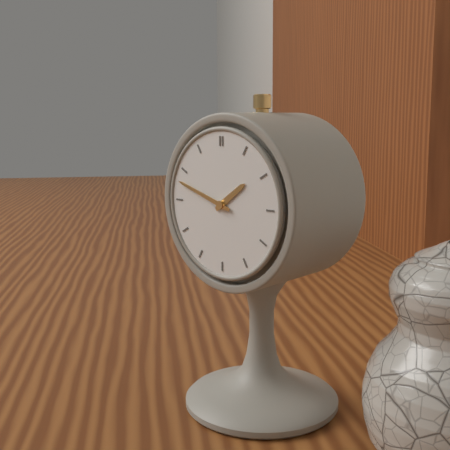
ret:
1:48
